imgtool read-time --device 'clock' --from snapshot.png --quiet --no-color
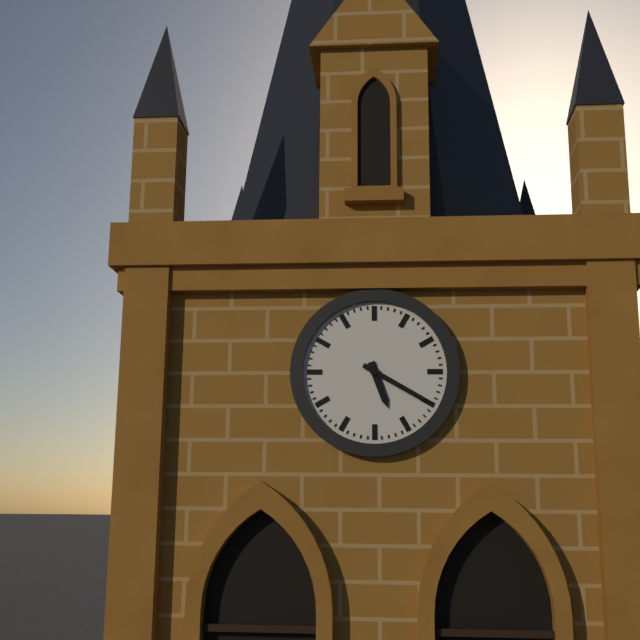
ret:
5:20
